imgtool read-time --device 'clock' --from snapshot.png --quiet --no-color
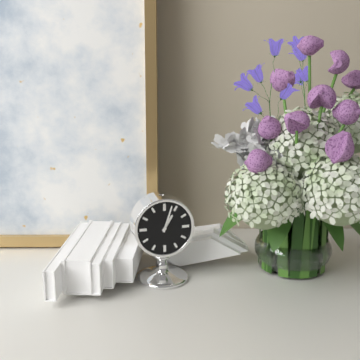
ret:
1:03
